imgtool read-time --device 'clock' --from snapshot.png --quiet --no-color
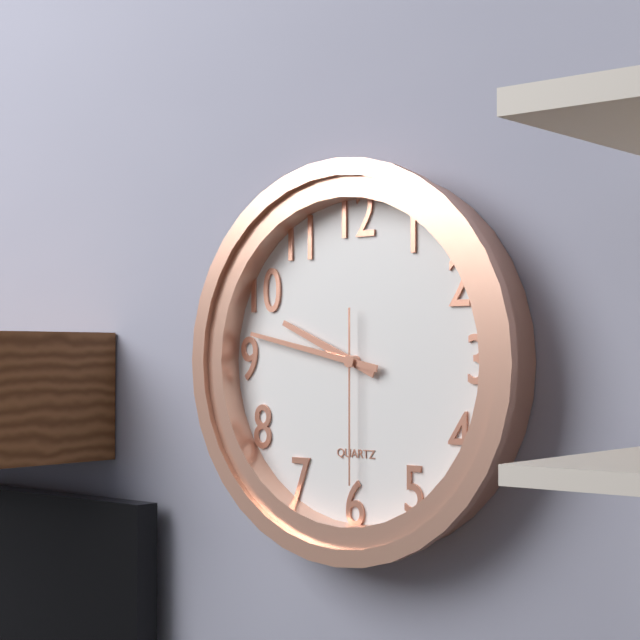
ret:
9:47:30
